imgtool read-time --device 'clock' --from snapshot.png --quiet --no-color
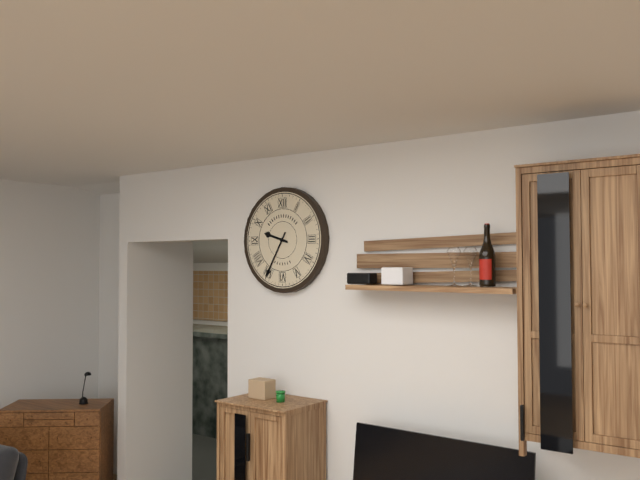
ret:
9:35
